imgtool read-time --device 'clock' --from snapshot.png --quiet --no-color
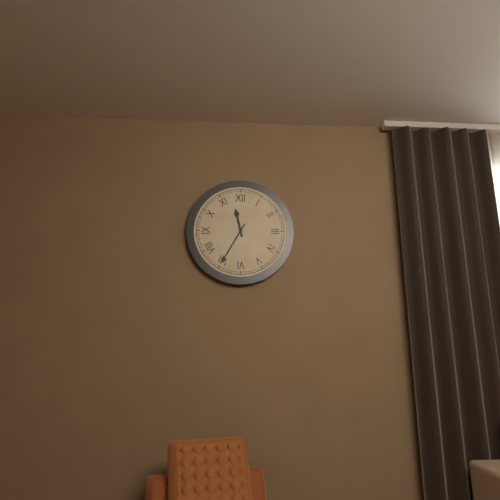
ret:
11:35
